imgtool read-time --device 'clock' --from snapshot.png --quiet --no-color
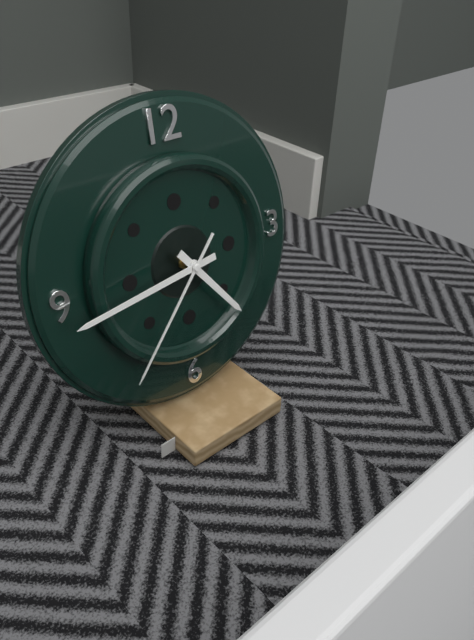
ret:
4:44:37
